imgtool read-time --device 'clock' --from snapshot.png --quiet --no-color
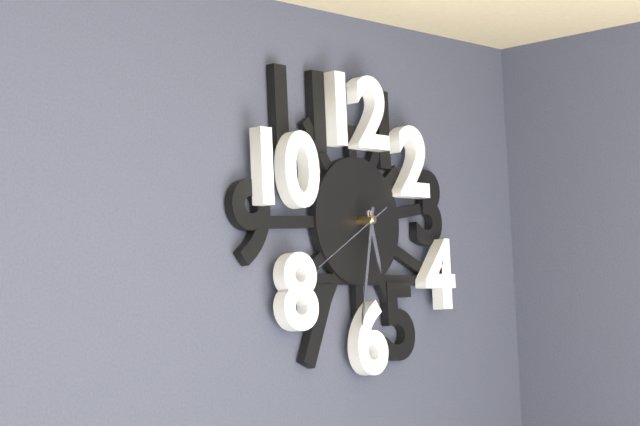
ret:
5:32:40
